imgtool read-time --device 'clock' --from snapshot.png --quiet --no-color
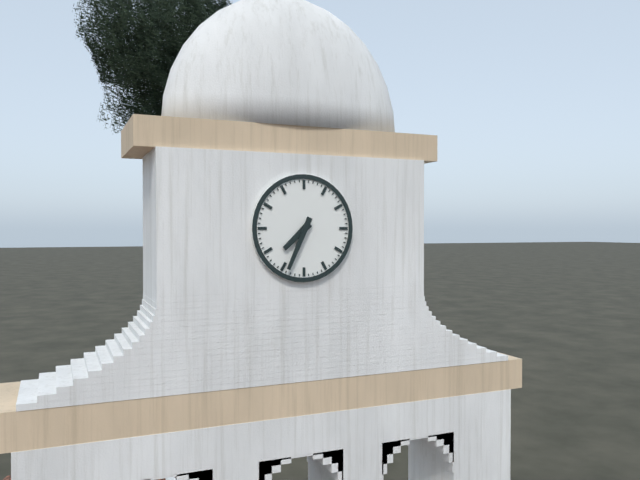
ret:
7:34
